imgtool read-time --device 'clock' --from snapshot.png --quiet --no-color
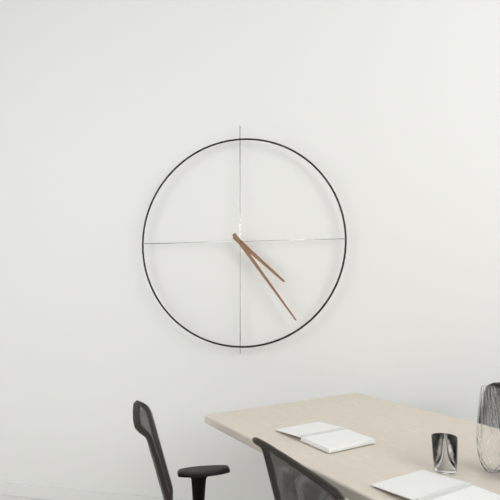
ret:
4:24
